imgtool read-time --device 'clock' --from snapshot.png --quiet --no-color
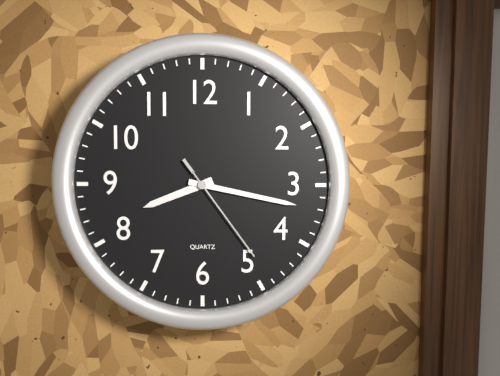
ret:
8:17:24
